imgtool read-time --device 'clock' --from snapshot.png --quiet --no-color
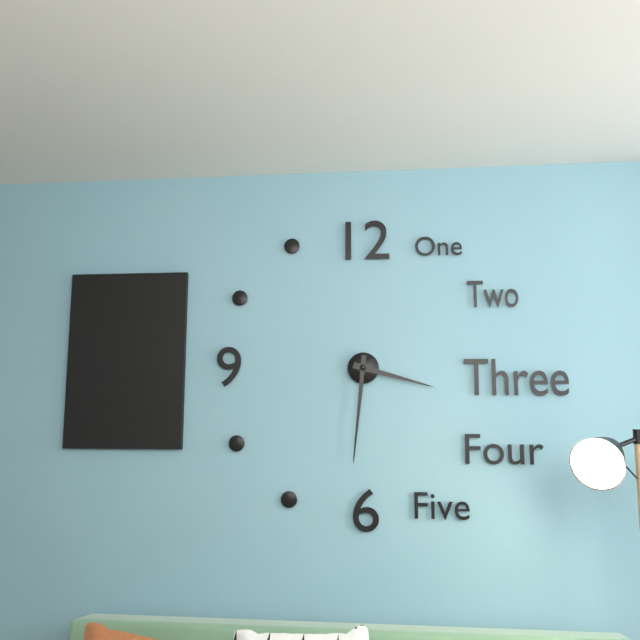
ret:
3:31
